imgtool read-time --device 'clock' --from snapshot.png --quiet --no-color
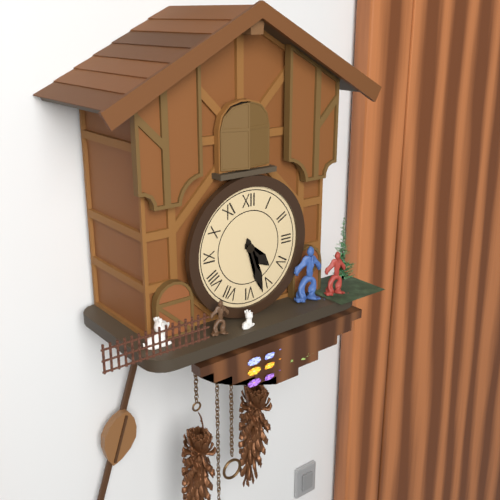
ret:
4:27
